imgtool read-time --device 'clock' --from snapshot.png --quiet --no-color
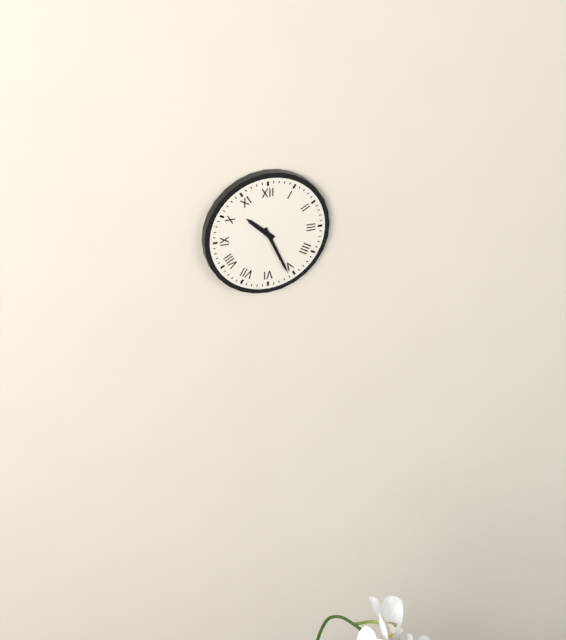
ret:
10:26
